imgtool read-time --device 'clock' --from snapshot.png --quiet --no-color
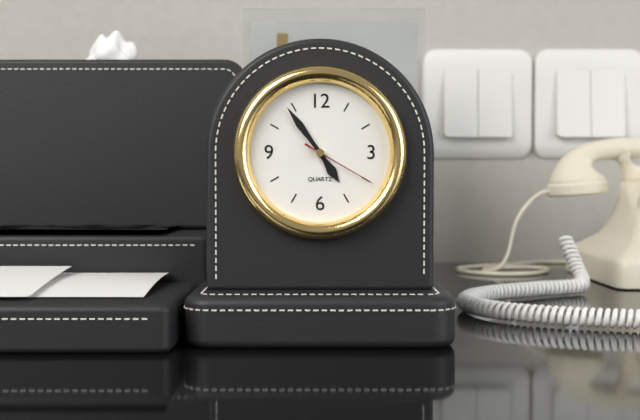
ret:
4:54:20
